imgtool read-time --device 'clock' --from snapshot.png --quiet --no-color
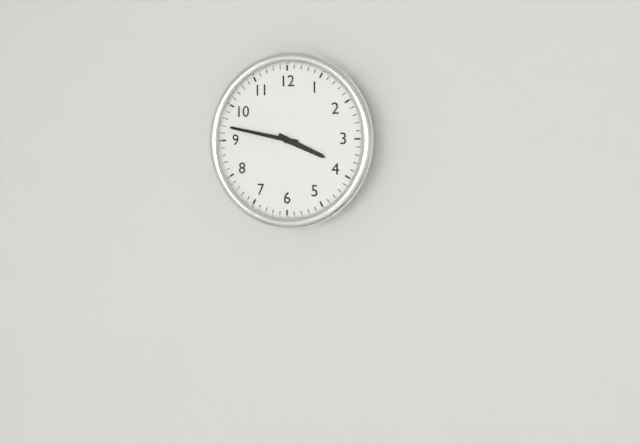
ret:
3:47
